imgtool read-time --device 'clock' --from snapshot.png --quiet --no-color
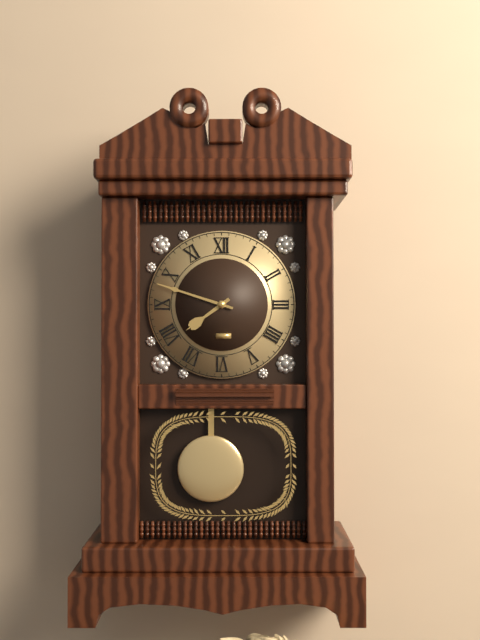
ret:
7:48
